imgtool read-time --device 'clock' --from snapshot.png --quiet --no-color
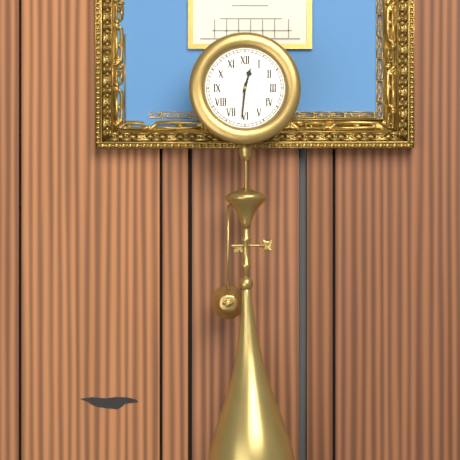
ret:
12:31
